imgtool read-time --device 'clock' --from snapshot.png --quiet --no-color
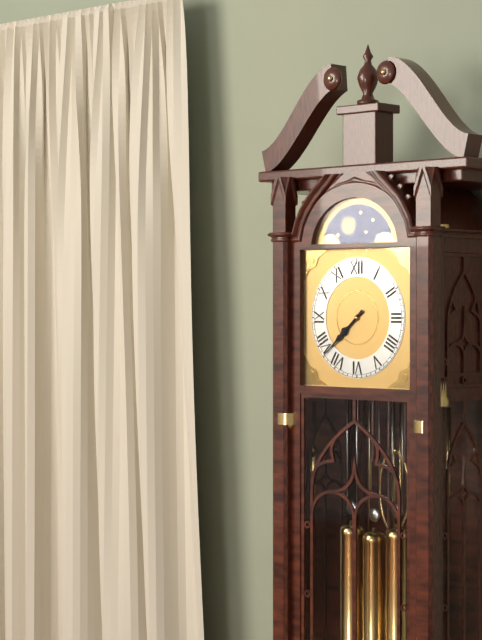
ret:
7:38
